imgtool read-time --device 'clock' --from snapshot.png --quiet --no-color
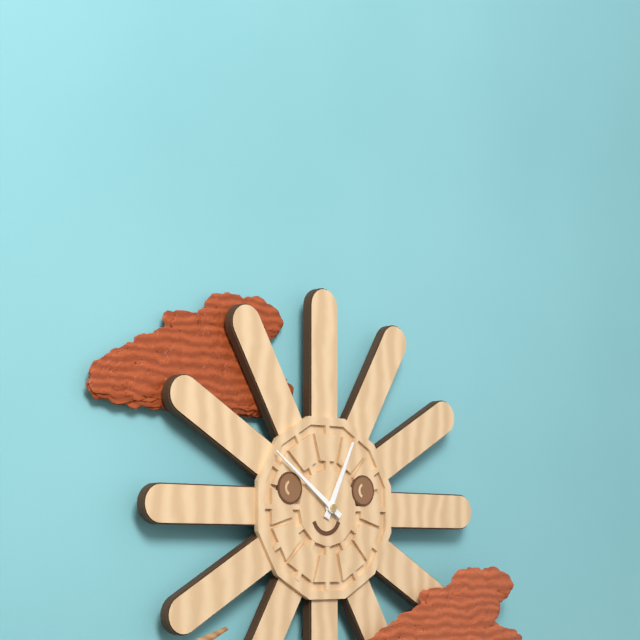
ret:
12:51
